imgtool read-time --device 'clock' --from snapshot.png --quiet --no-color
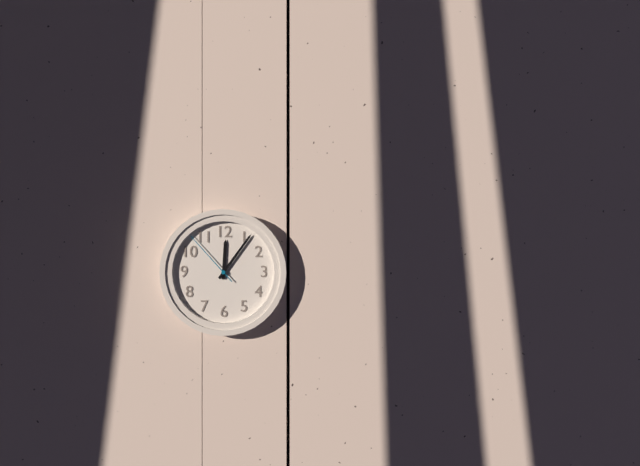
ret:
12:06:53
